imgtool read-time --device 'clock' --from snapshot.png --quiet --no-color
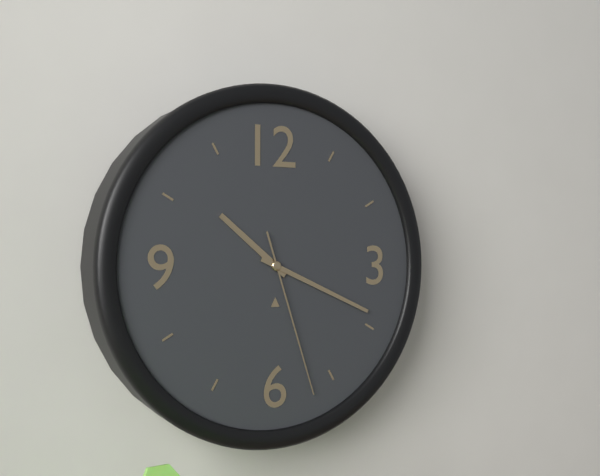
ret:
10:19:27
